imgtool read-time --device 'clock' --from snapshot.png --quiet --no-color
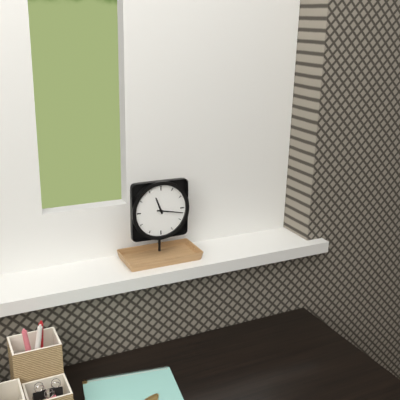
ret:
11:17
